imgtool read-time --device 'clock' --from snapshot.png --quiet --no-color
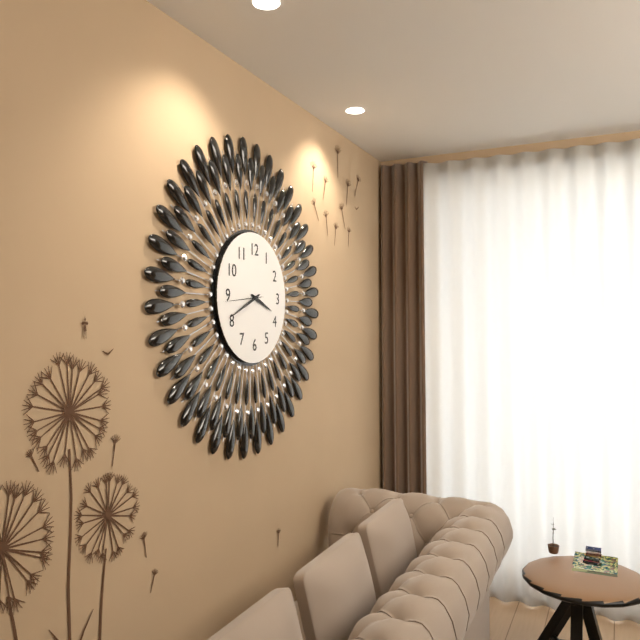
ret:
3:41
